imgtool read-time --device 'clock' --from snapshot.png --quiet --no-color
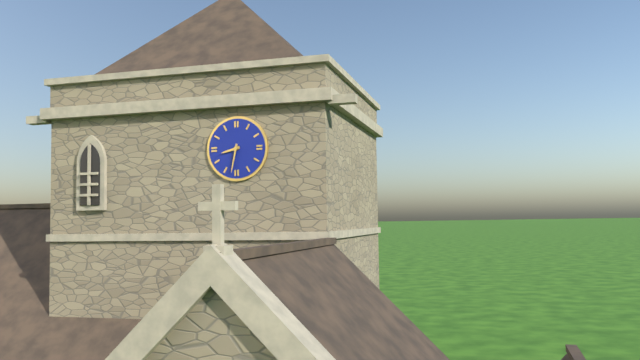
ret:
8:32
